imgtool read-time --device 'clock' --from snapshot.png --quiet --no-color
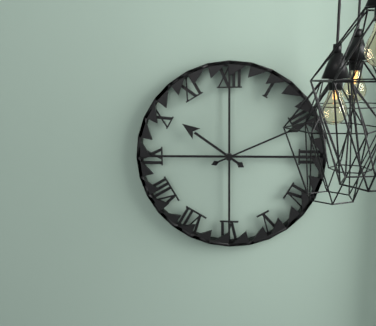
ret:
10:11
